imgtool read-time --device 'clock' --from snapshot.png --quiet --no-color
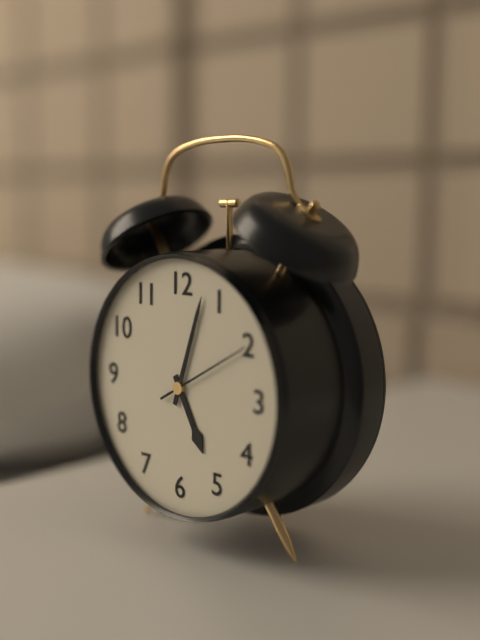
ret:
5:03:10
